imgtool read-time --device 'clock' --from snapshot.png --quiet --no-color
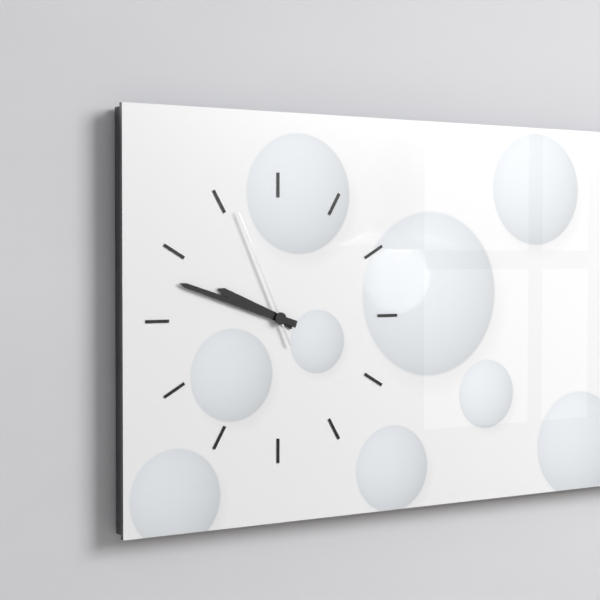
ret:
9:48:56
